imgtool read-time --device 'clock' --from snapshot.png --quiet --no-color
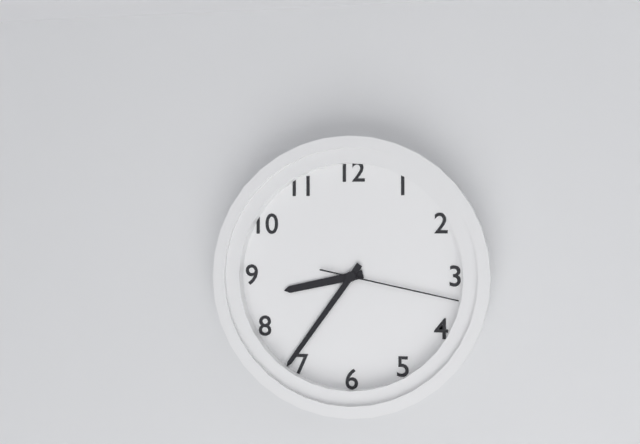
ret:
8:36:17
